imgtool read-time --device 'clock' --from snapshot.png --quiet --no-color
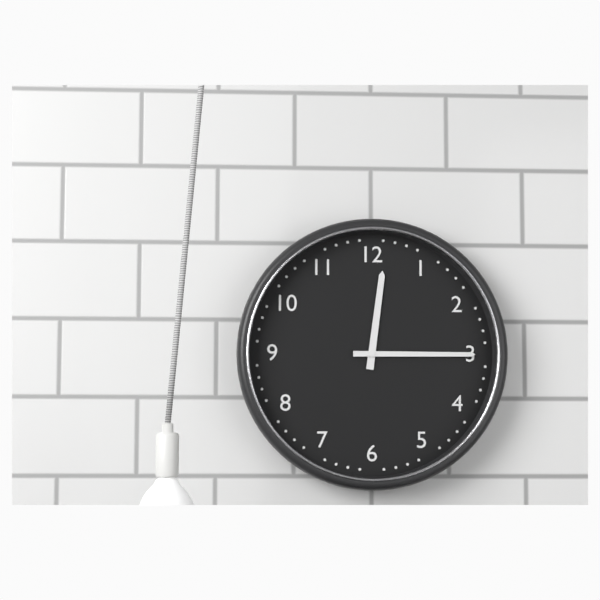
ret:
12:15
